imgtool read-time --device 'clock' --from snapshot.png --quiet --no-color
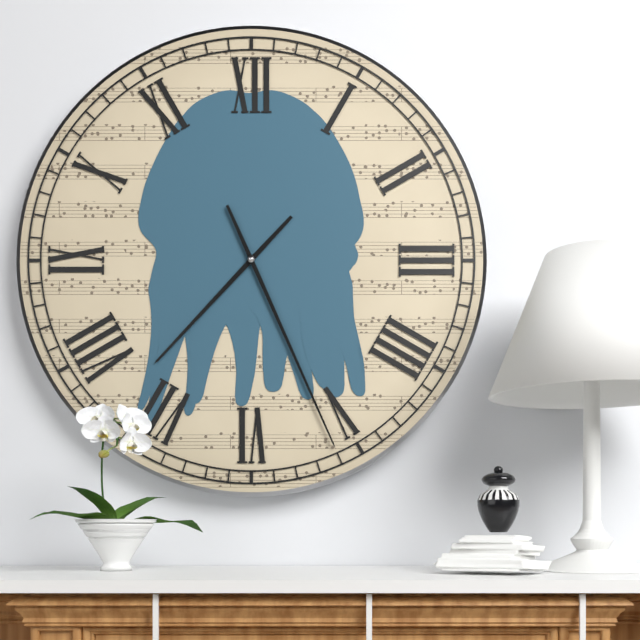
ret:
7:26
